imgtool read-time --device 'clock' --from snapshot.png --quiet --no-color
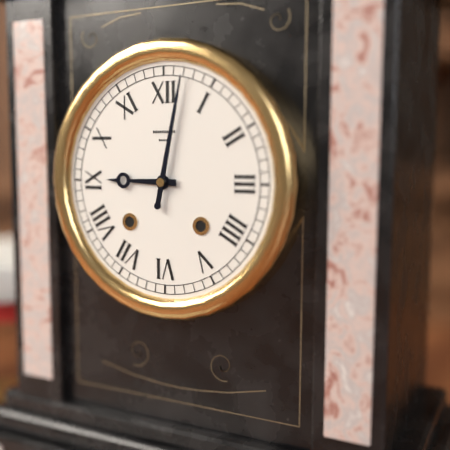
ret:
9:02
